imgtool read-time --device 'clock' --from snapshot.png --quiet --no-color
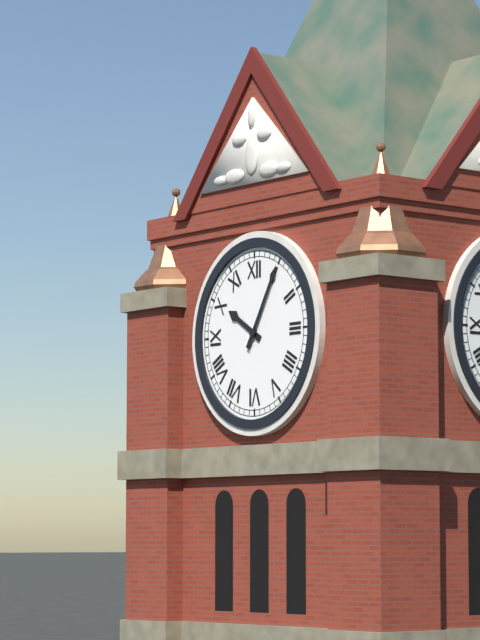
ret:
10:05
